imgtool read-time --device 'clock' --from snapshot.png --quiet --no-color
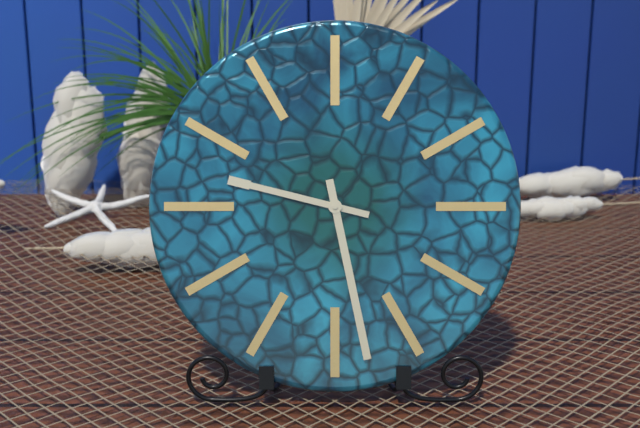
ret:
9:28
